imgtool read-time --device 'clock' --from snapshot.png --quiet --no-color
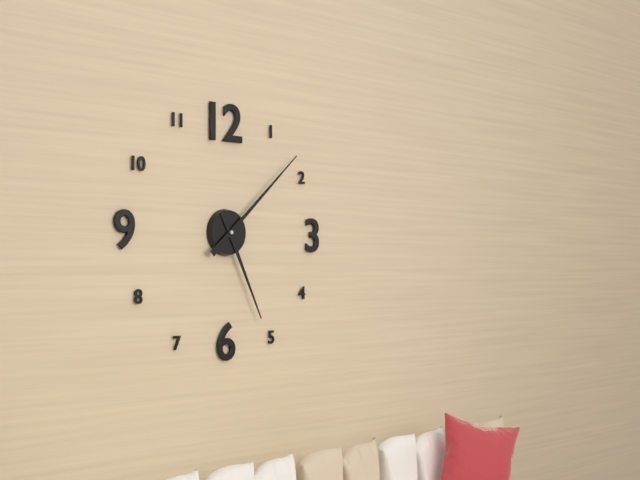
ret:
5:08
